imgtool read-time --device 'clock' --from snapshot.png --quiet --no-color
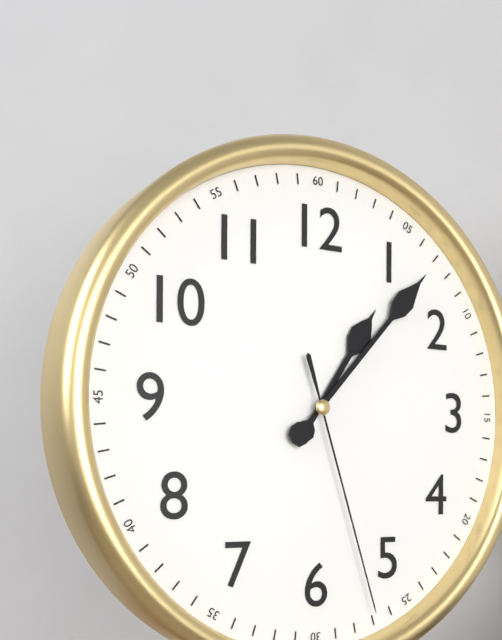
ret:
1:07:27
